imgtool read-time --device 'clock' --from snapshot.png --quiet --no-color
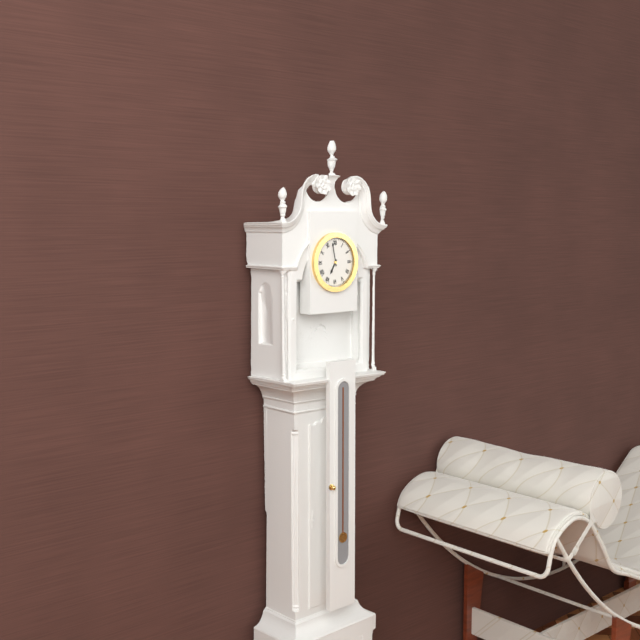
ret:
6:58
